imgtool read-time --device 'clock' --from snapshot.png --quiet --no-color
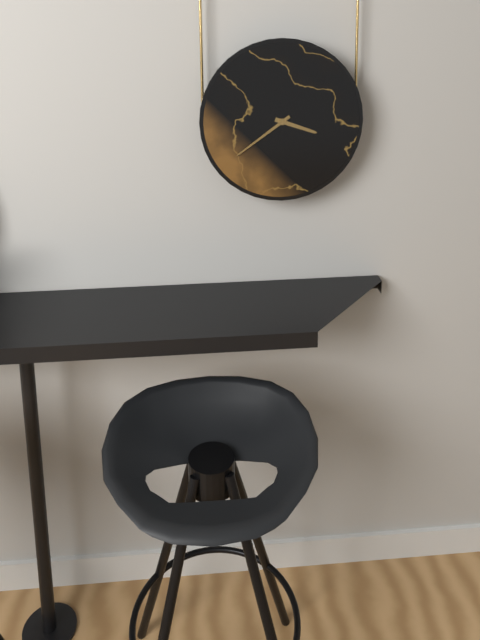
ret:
3:39
